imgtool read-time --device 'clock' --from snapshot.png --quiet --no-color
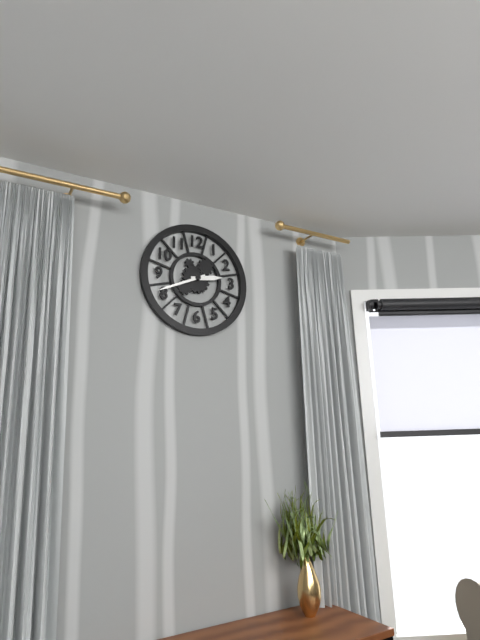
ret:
2:41
